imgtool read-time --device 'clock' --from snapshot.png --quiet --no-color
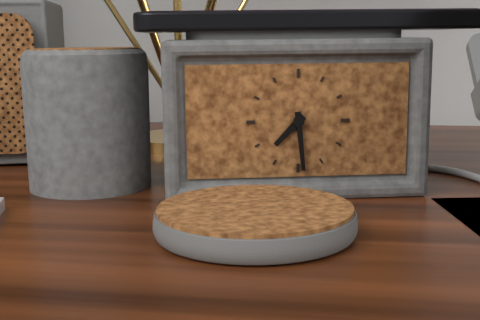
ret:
7:29
